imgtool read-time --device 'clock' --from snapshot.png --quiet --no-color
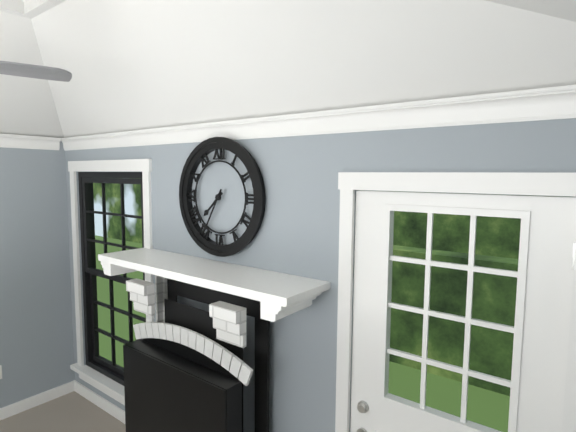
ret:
7:35
